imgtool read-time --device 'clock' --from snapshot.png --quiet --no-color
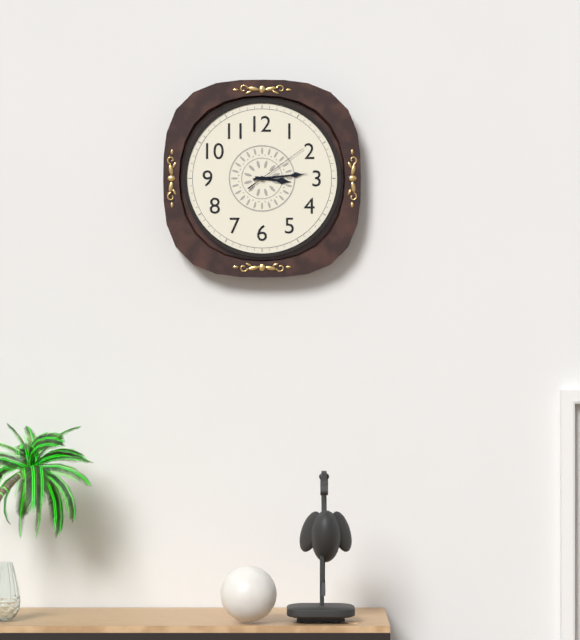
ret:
3:14:09
